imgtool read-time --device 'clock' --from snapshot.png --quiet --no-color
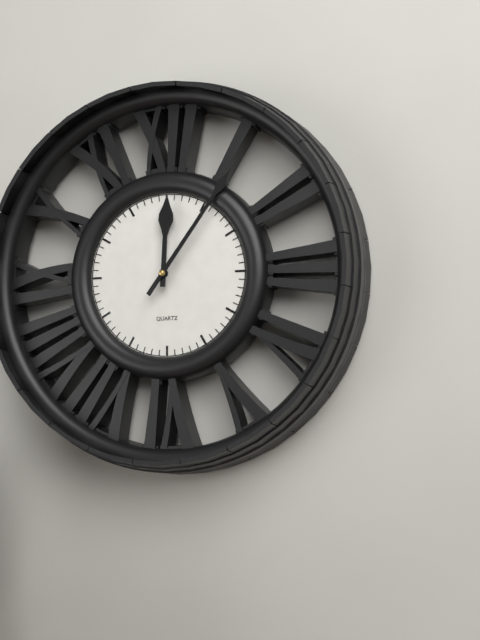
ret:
12:06
